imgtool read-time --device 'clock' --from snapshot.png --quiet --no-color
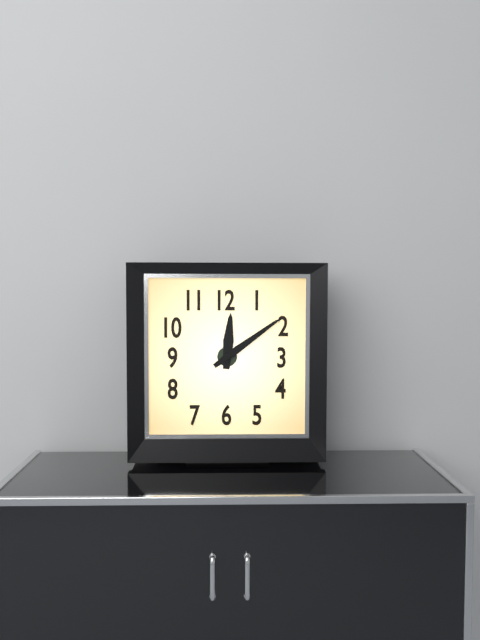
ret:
12:09
